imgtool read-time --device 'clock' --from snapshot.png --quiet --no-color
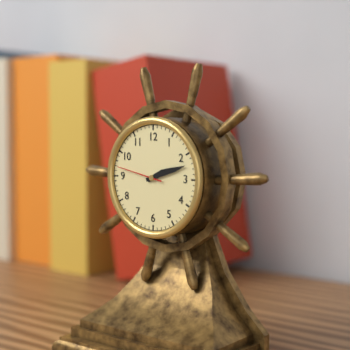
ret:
2:12
